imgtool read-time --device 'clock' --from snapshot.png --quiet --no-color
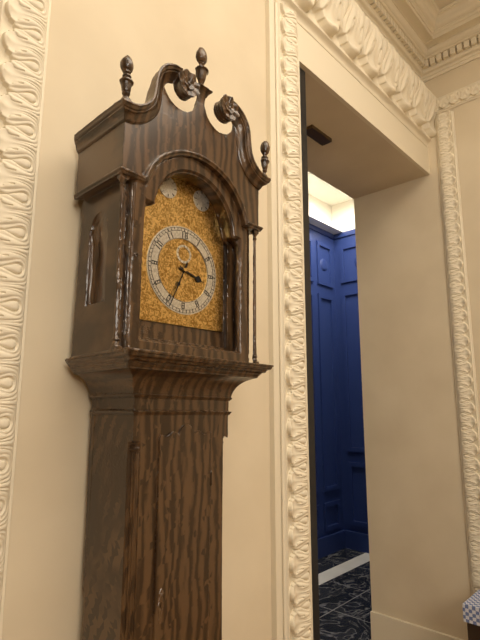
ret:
3:34
